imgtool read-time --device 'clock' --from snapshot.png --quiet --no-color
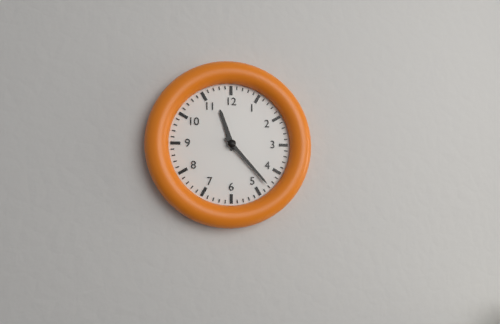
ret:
11:23
